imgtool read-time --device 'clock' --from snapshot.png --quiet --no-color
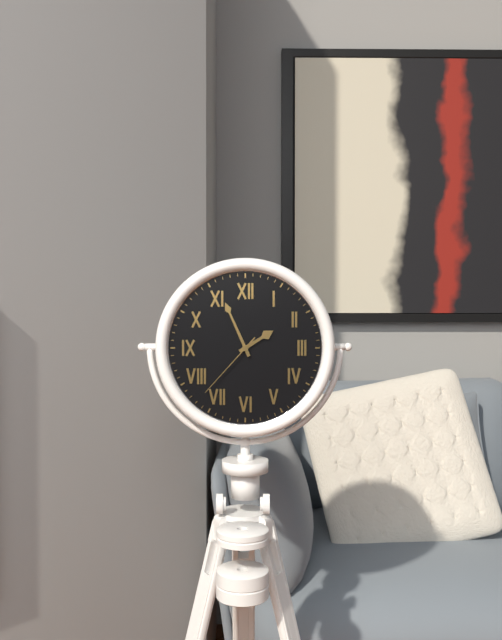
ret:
1:56:37
